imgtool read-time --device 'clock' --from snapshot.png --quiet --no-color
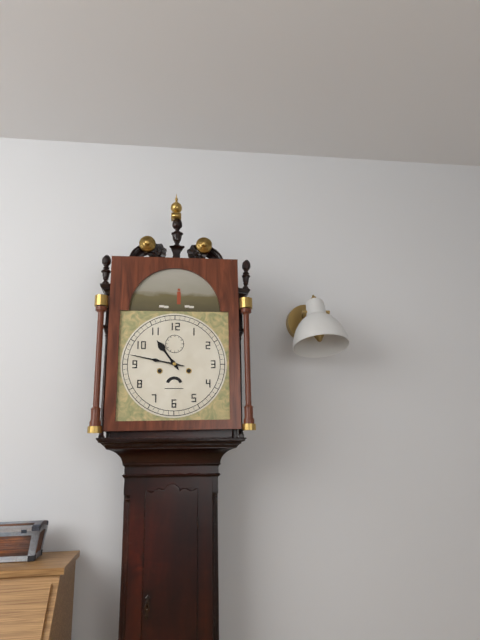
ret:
10:47
